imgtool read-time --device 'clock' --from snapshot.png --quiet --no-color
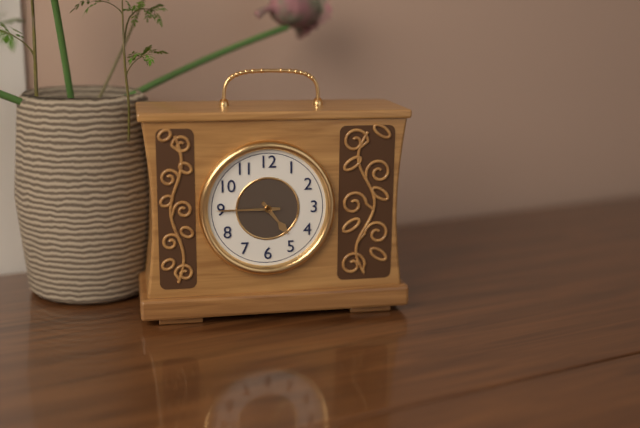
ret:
4:45
